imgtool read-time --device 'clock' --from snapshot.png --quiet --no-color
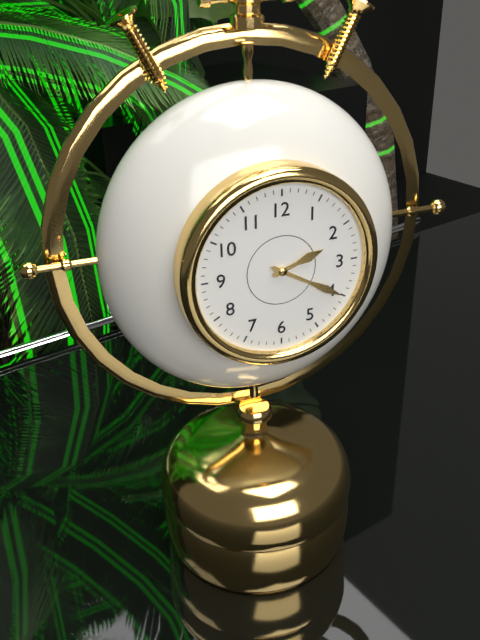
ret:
2:20
